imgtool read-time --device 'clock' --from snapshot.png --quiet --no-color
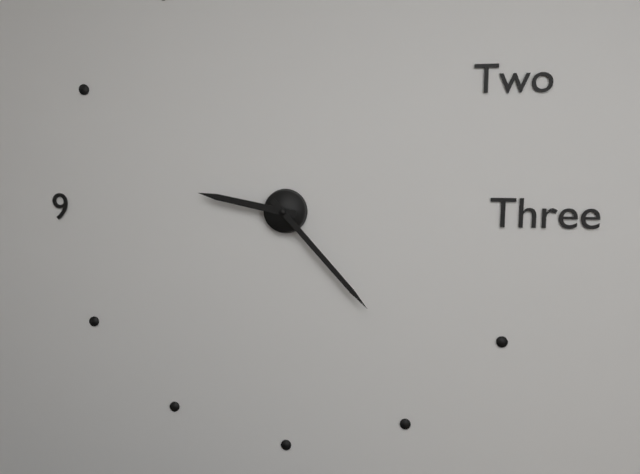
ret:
9:23
